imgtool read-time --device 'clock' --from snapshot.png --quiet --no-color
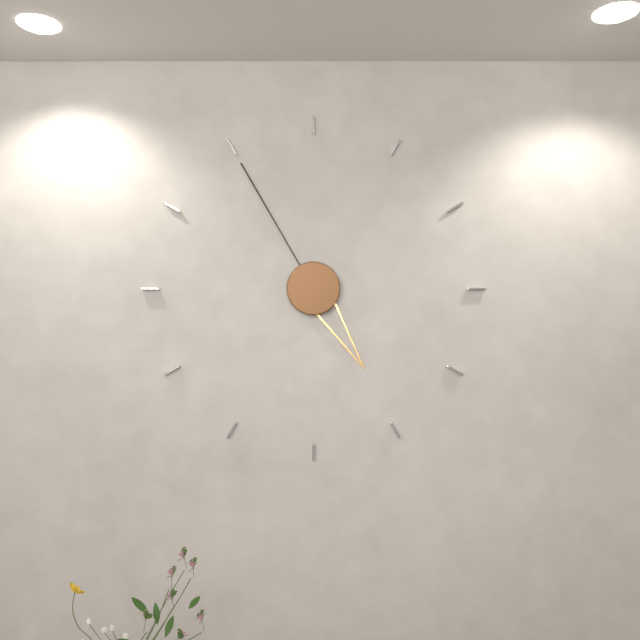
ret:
4:55
